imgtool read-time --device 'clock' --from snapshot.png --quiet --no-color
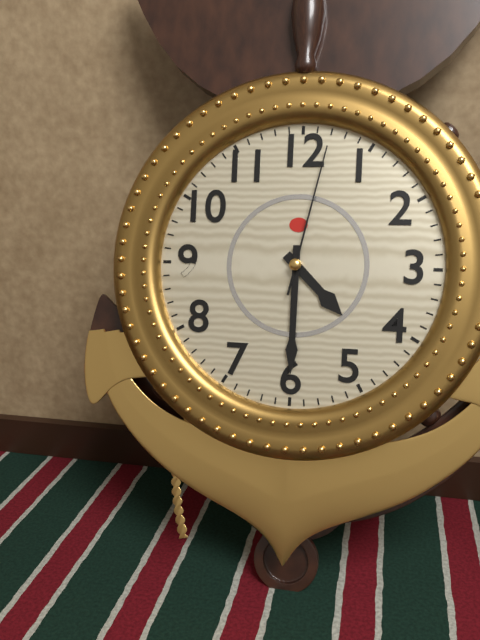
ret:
4:30:02
